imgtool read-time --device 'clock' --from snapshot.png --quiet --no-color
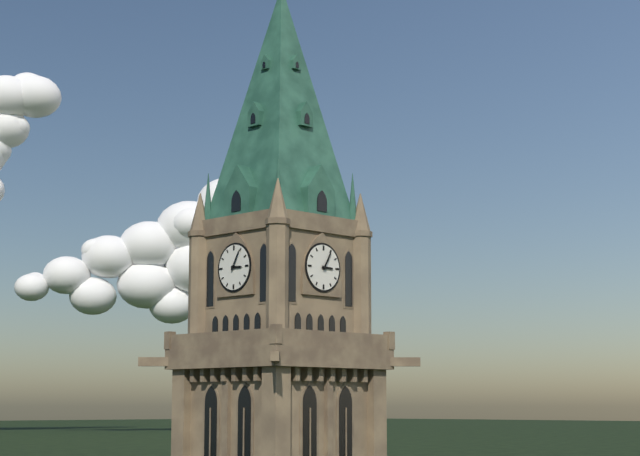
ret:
3:05
